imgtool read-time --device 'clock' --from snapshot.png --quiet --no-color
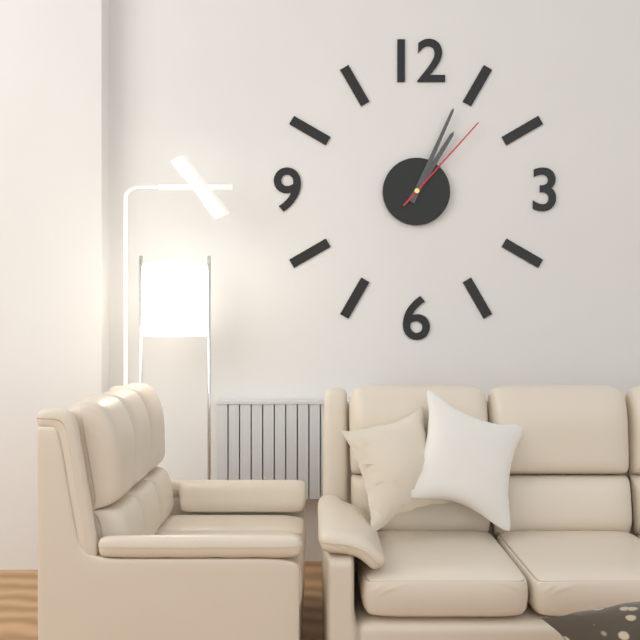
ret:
1:04:07
